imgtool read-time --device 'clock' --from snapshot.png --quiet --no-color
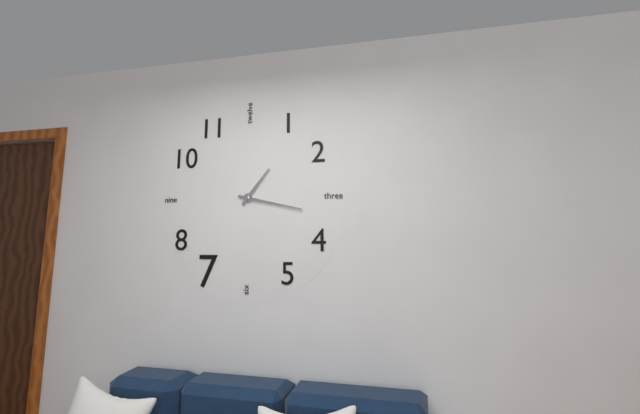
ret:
1:17
